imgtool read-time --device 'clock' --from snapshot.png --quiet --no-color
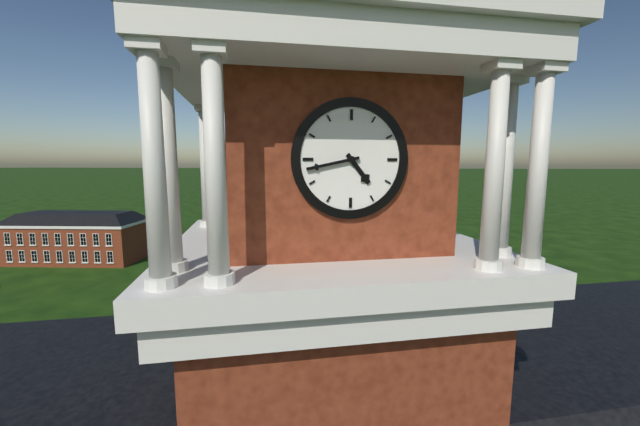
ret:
4:43
